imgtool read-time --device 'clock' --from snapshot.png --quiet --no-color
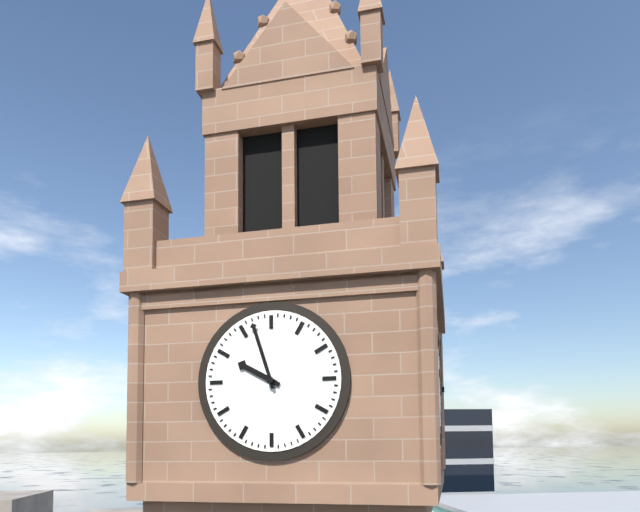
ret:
9:57
